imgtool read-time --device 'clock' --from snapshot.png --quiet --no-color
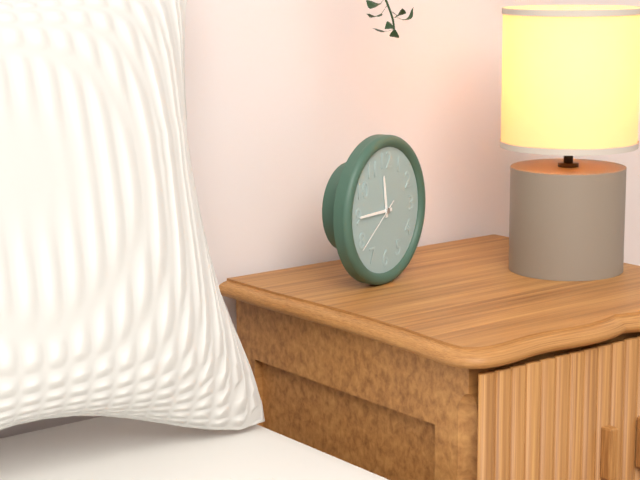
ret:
11:45:39
